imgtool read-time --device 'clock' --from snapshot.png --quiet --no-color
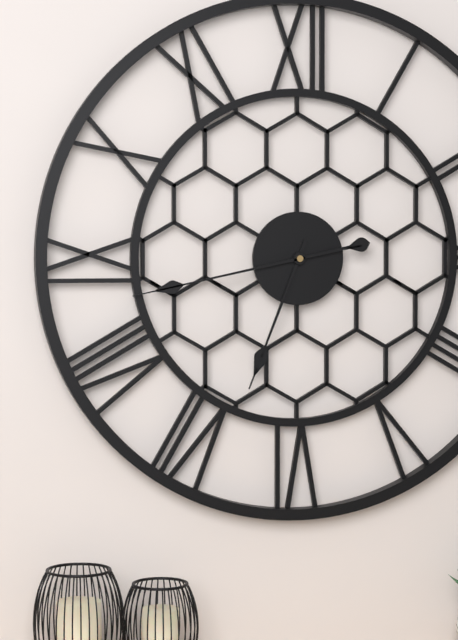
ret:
6:43
